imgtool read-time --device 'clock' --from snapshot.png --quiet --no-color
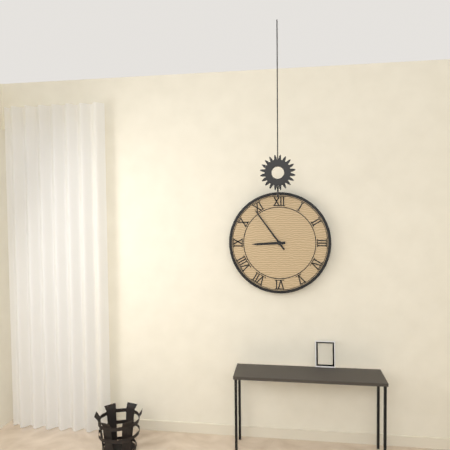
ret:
8:54
